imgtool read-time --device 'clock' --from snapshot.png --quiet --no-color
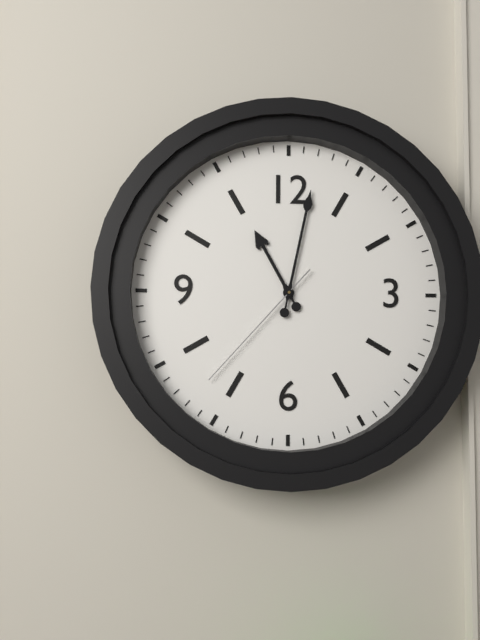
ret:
11:02:37
